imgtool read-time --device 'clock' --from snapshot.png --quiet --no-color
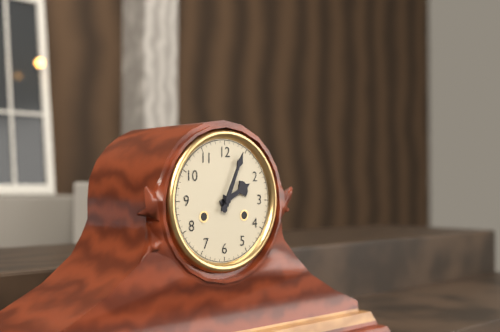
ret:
2:04
